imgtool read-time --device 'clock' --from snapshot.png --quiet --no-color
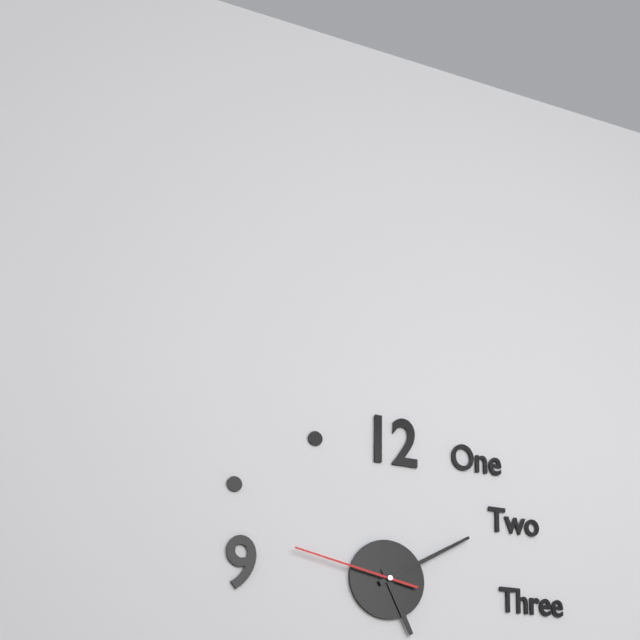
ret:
5:10:47
